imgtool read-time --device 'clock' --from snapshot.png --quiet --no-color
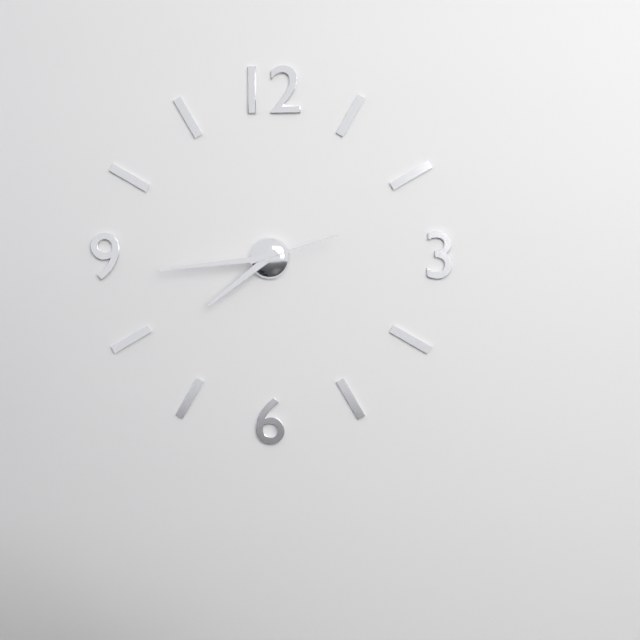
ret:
7:44:12
